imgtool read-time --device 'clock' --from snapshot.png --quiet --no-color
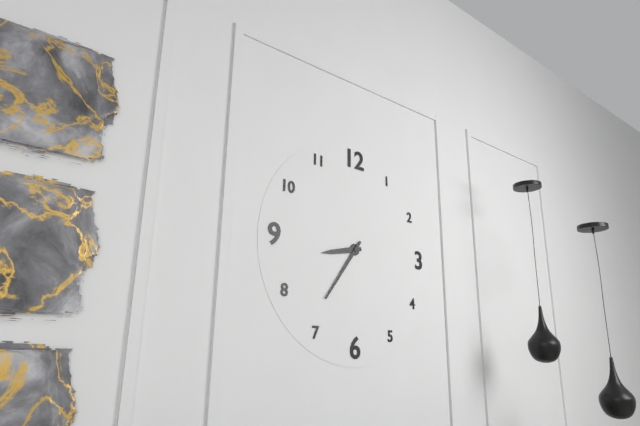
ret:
8:36
